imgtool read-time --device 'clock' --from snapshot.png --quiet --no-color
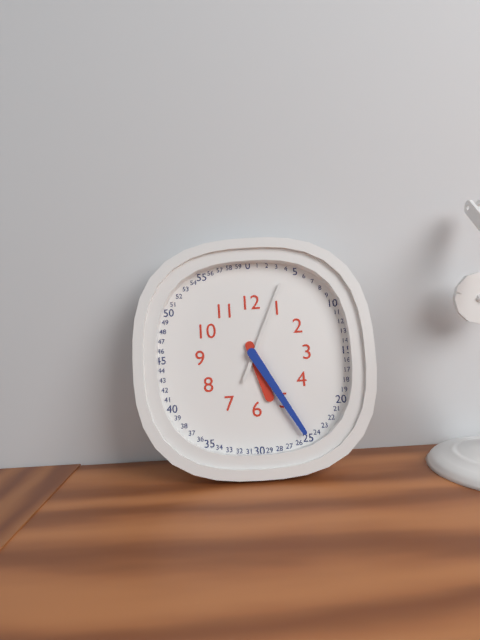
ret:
5:25:04
